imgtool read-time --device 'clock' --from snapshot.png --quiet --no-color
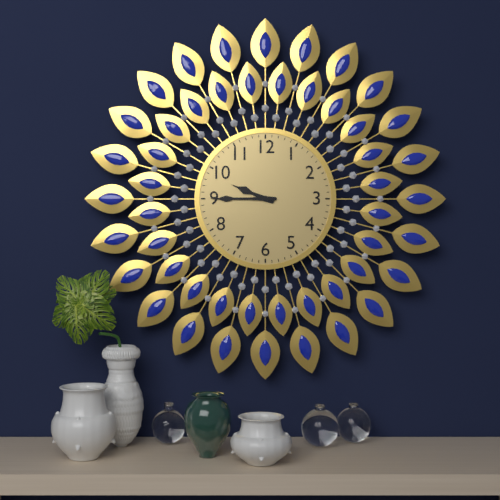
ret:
9:45
